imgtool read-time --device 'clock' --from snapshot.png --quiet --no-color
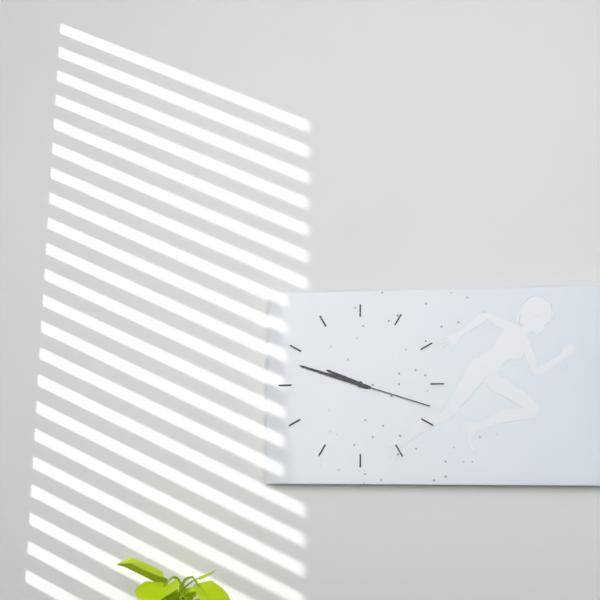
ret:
9:48:18
